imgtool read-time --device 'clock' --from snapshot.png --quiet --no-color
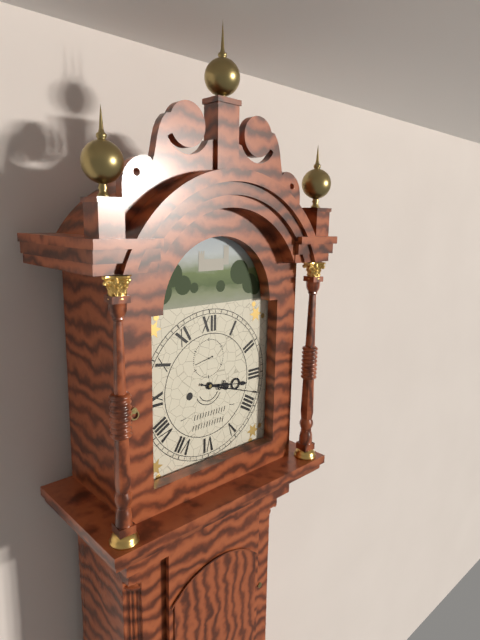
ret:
3:18
